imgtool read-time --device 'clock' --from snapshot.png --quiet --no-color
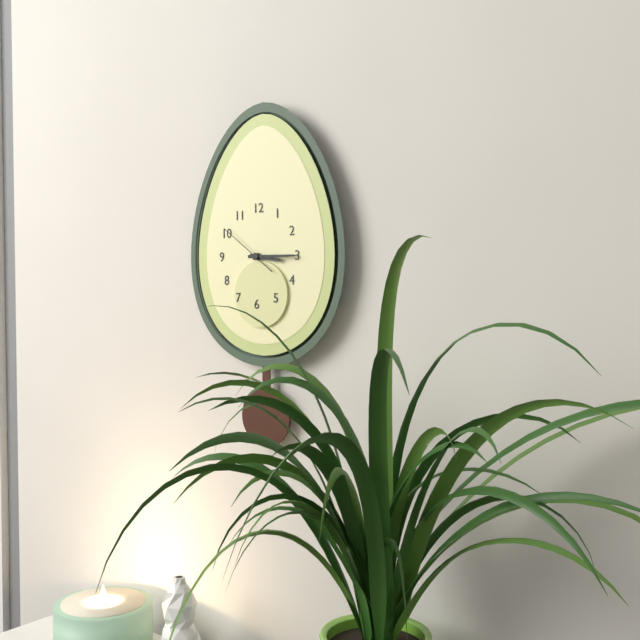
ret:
3:15:51
